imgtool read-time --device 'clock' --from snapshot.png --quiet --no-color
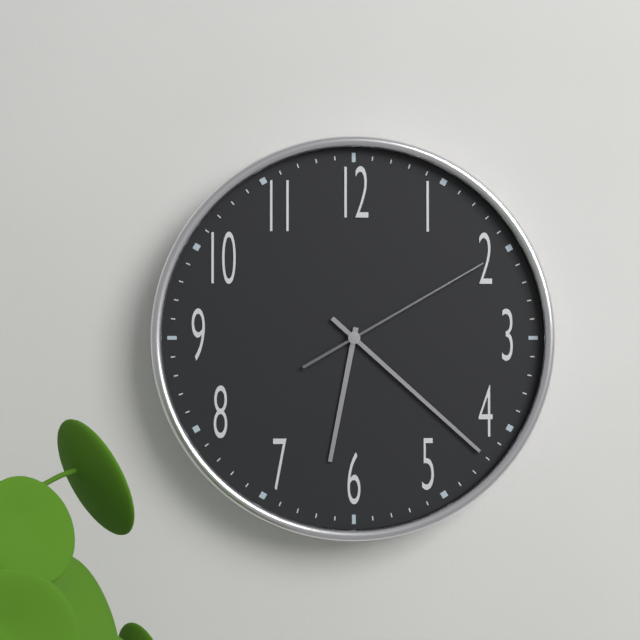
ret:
6:22:10
